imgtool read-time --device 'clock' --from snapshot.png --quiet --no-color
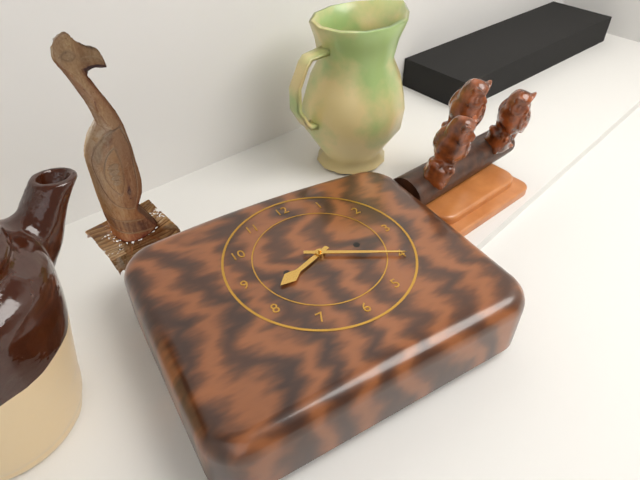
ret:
8:20
